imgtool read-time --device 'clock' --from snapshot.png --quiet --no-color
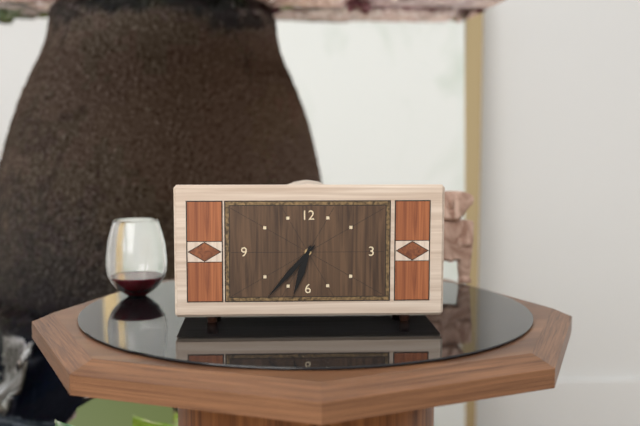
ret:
6:37
